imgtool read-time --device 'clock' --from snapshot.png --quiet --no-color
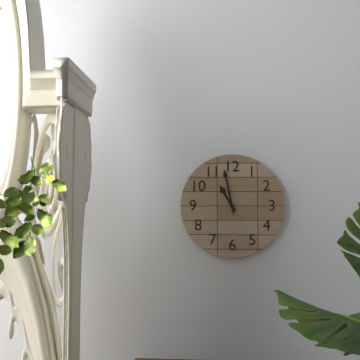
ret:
10:58
